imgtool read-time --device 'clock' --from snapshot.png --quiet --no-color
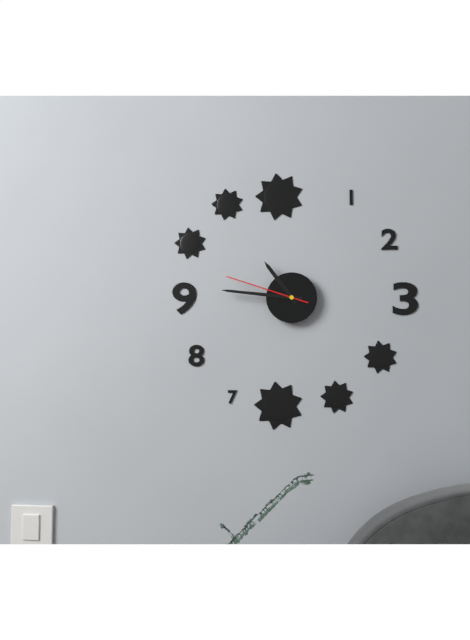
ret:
10:46:48
